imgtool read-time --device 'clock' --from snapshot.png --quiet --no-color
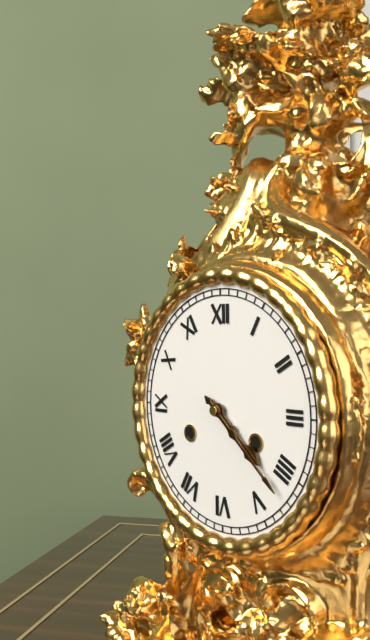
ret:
4:22
